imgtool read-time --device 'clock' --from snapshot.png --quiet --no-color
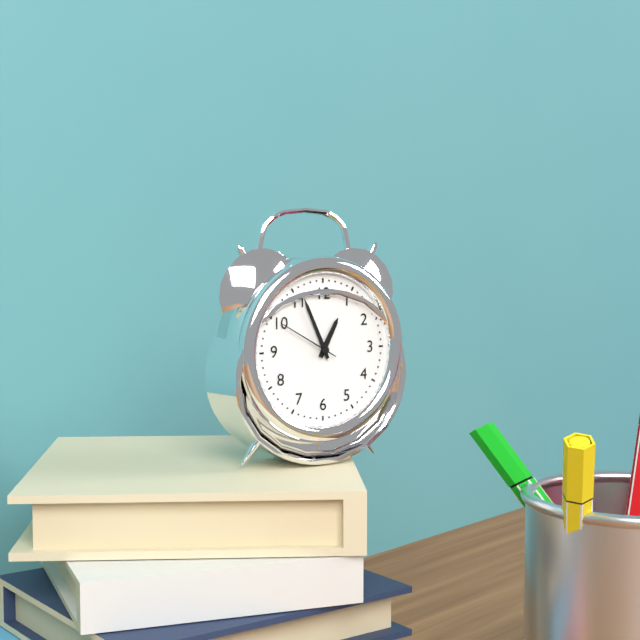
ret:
12:56:50
